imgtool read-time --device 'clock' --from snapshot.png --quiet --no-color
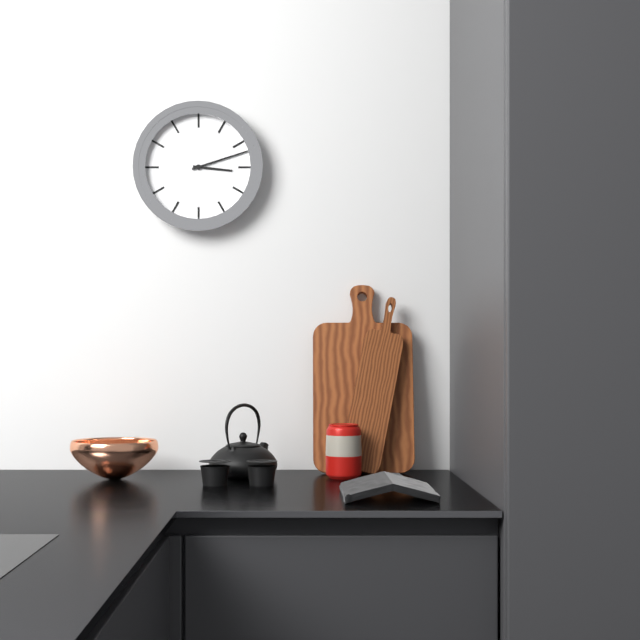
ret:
3:12
